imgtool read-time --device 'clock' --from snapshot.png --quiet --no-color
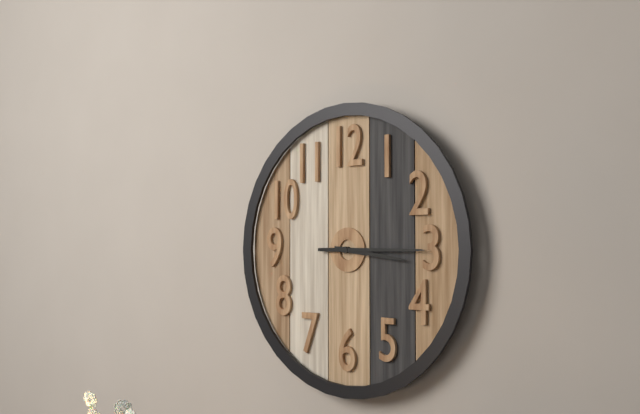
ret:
3:15
